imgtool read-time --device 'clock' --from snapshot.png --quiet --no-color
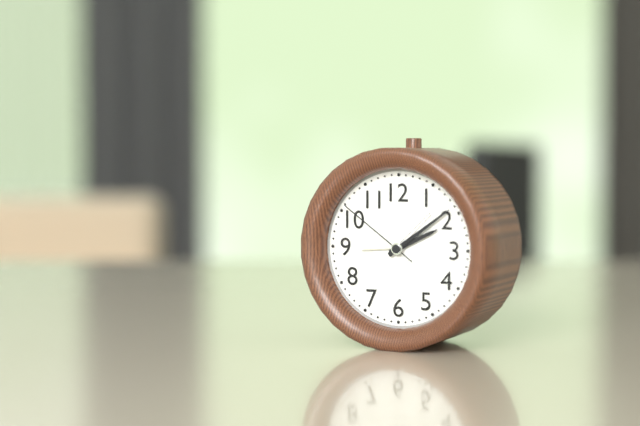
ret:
2:09:51
